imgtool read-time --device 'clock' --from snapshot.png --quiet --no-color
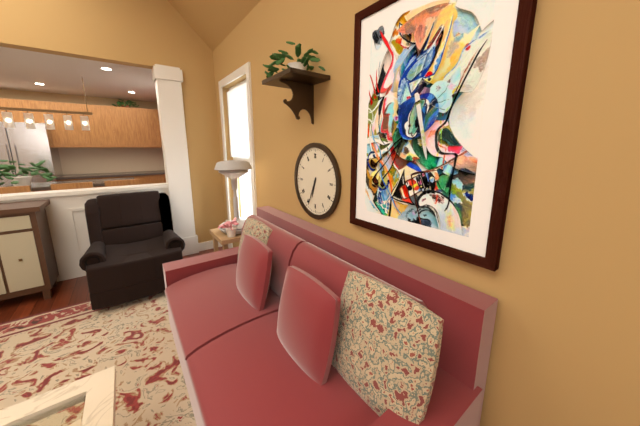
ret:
6:34
